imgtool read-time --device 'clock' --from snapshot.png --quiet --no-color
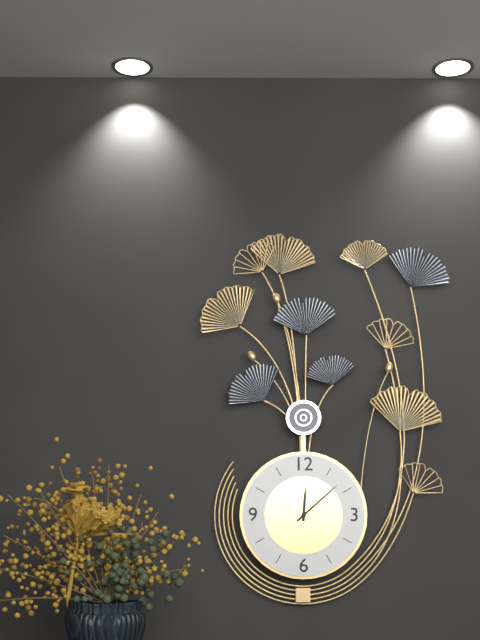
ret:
12:08
